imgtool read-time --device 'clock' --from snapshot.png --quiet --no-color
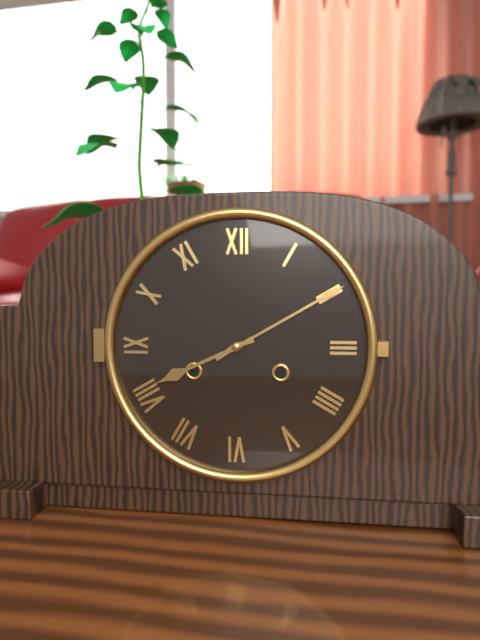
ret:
8:10
